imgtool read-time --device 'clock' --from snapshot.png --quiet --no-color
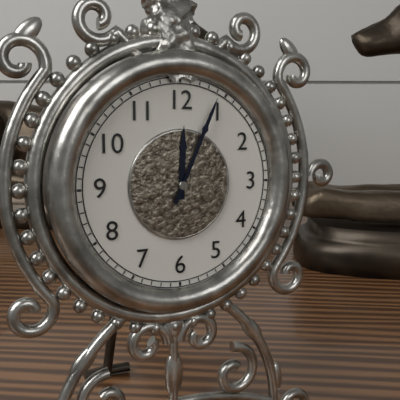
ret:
12:04
